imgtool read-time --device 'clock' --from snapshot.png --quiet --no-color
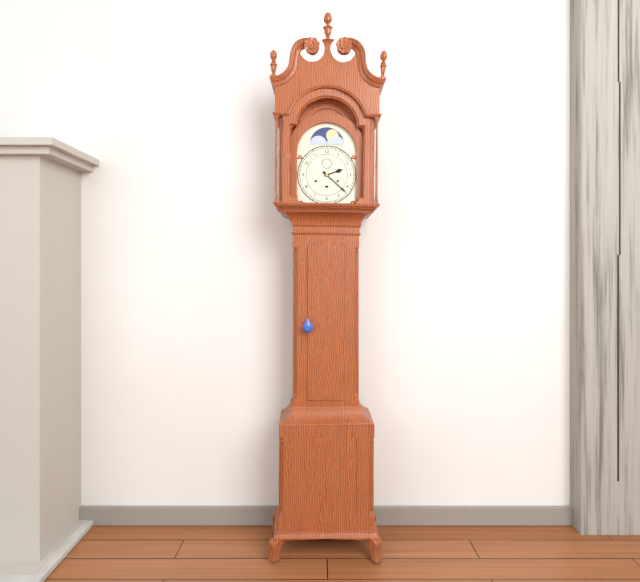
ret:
2:22
